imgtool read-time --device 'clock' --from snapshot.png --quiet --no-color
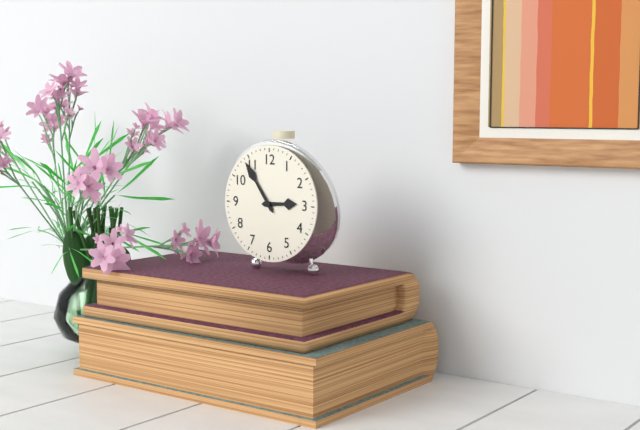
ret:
2:54
